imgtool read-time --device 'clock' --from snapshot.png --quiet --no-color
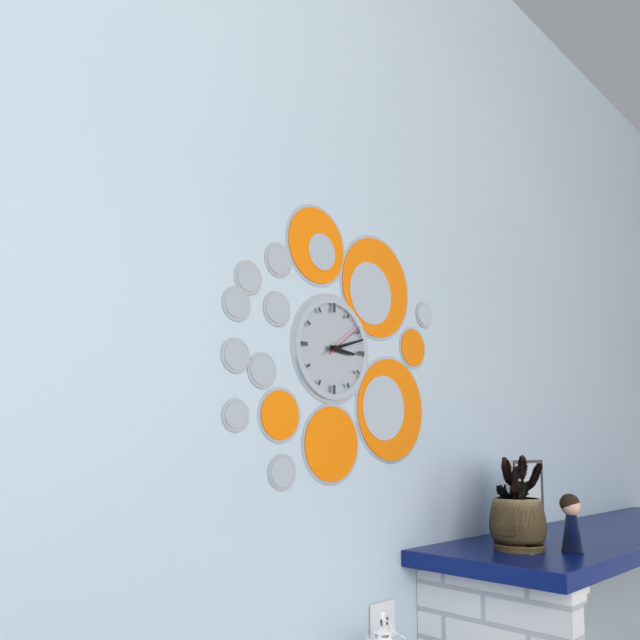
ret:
3:12
